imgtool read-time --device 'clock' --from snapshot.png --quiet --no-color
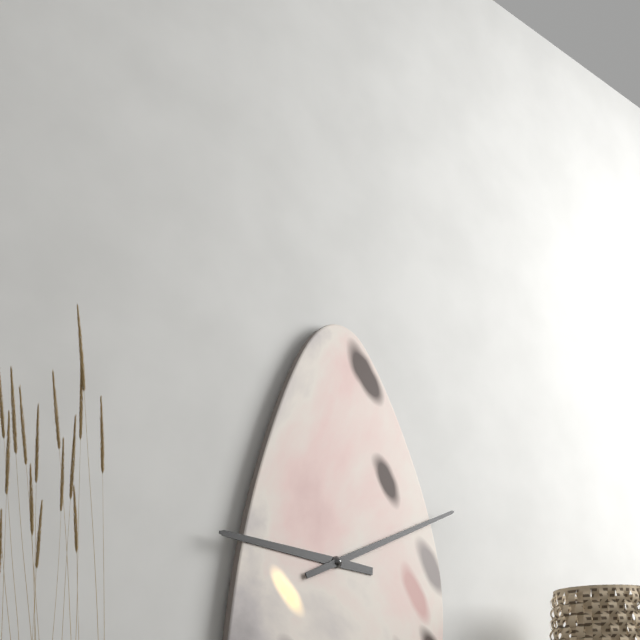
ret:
9:11
